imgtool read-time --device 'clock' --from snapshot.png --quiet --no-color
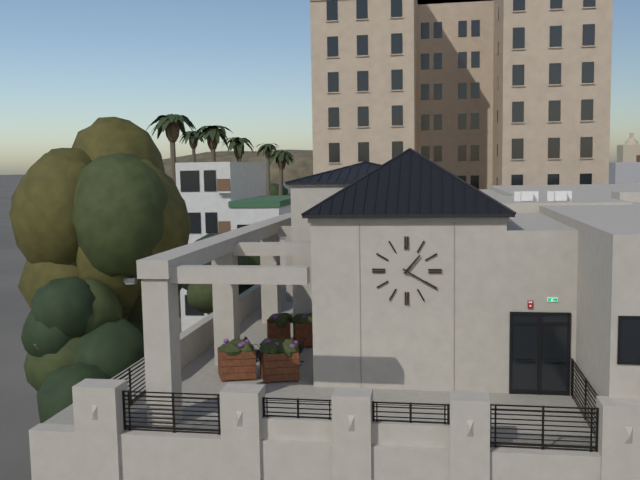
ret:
1:20
